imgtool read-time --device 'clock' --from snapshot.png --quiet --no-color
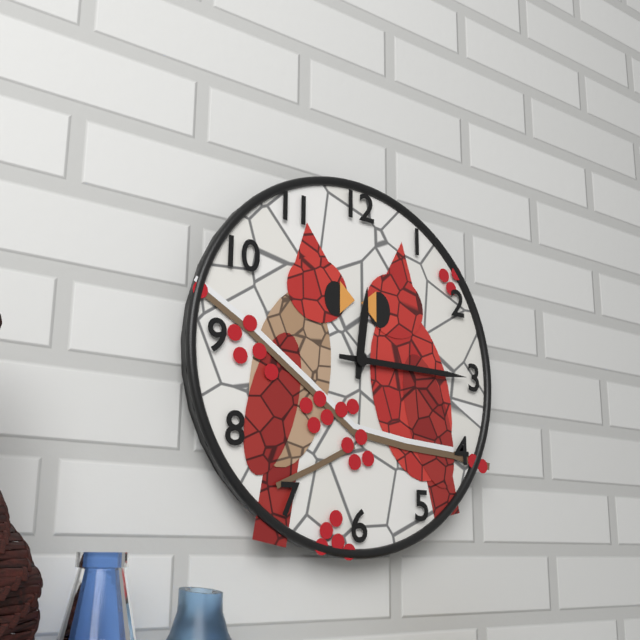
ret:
12:15
